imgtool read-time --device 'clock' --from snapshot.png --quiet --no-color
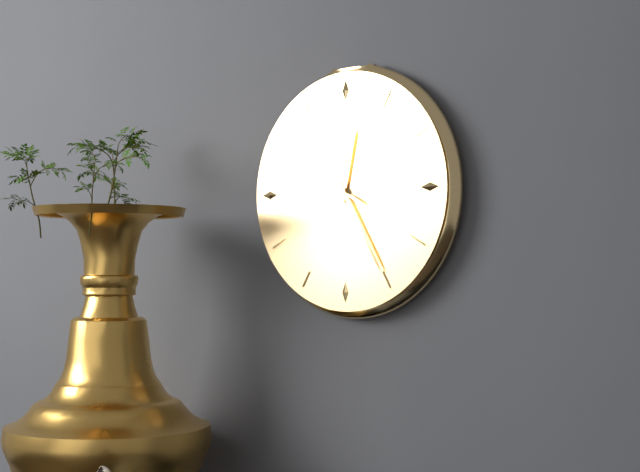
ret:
12:25:50
